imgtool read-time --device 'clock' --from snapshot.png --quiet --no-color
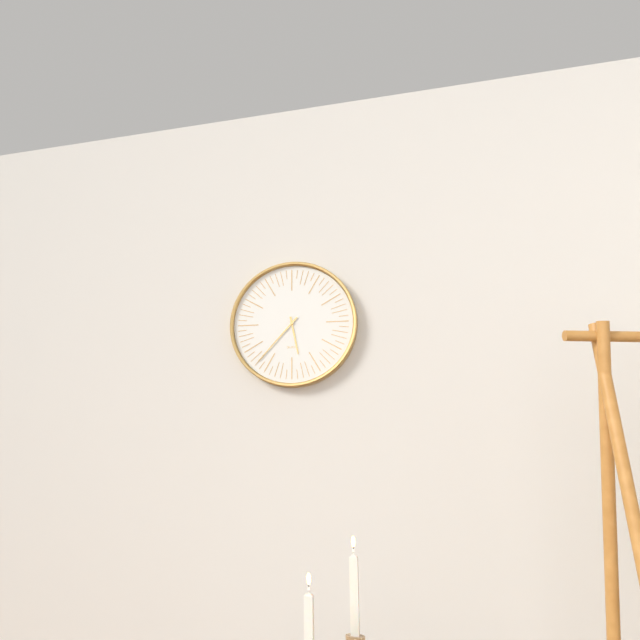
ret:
5:37
